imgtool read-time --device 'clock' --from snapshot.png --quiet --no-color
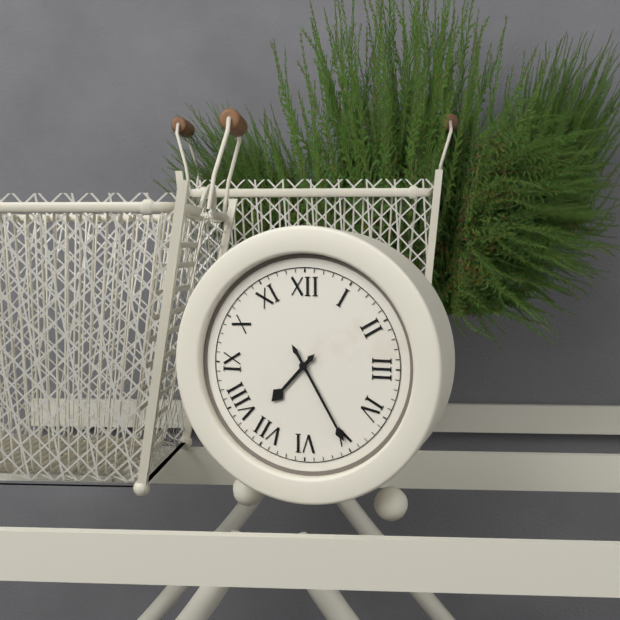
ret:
7:25
